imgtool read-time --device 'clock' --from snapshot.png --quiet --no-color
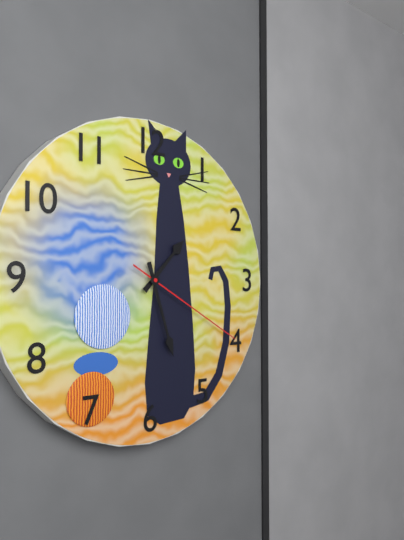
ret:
1:27:20
